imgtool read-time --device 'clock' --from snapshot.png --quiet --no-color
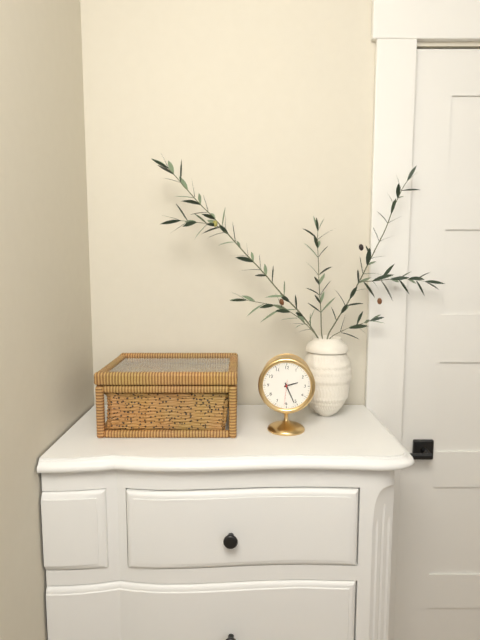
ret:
2:26
